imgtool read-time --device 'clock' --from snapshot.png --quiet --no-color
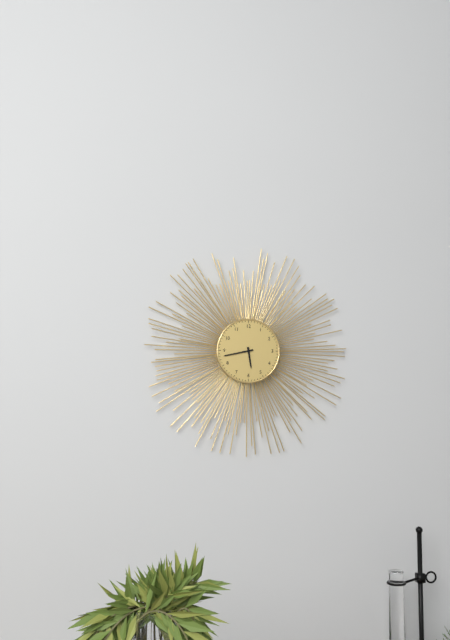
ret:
5:43
